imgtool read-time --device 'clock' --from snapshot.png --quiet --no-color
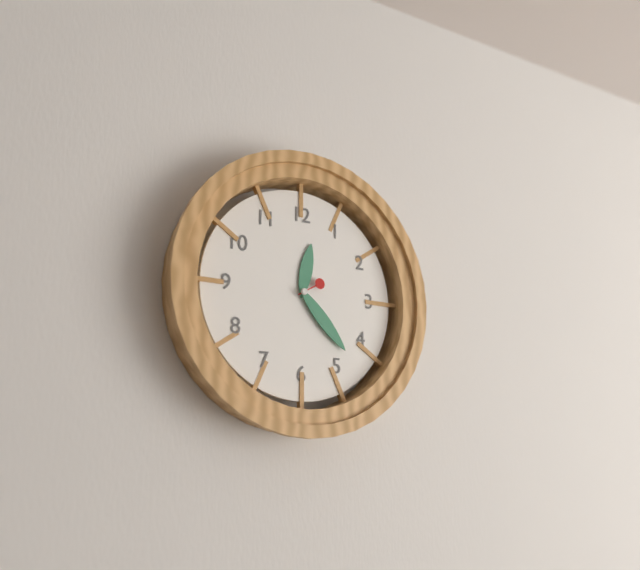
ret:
12:23
